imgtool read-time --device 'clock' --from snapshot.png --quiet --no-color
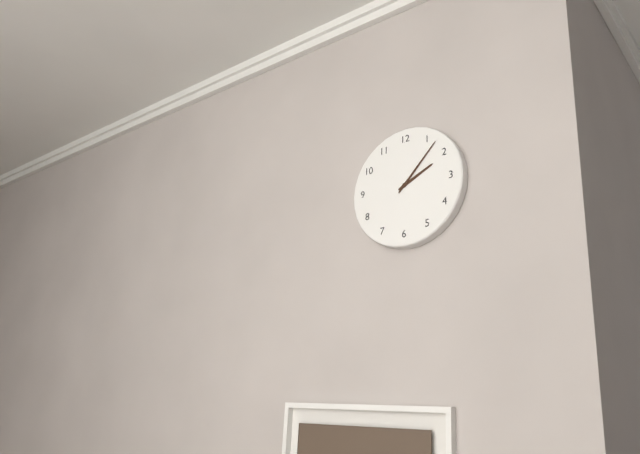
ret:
2:07
